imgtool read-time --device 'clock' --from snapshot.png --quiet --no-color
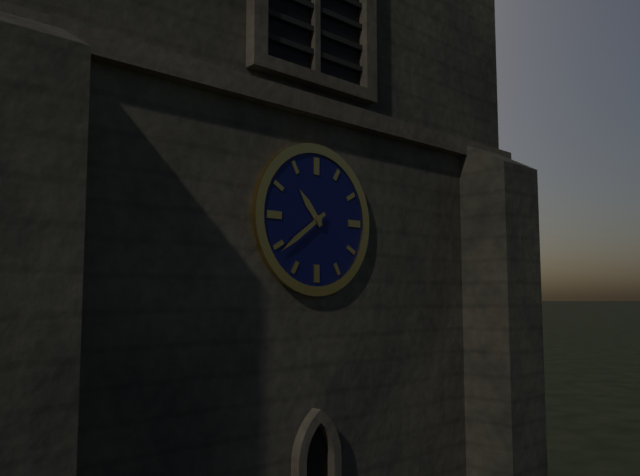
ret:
10:39
